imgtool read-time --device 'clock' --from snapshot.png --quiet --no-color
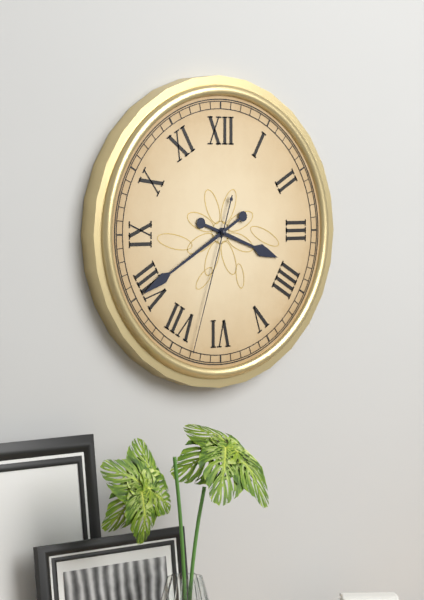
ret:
3:40:33
